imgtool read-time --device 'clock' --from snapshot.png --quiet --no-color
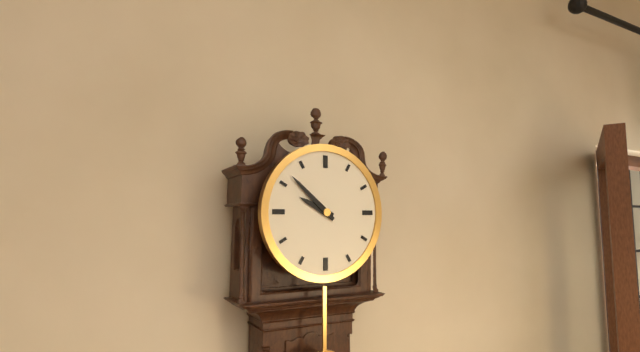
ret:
9:52
